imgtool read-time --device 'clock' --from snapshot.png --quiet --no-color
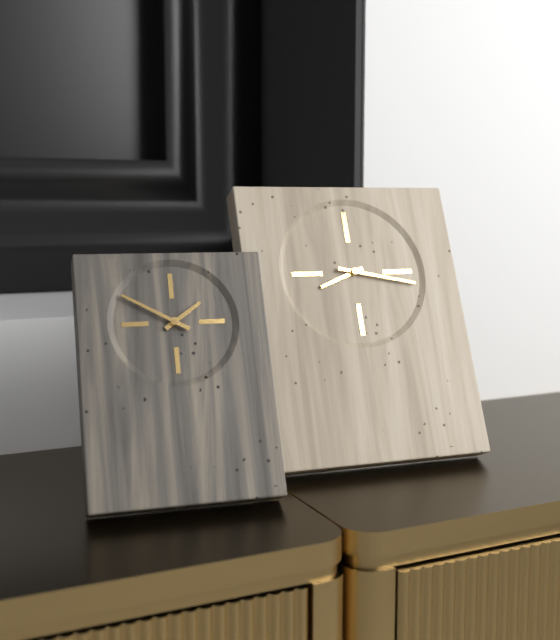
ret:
8:17
